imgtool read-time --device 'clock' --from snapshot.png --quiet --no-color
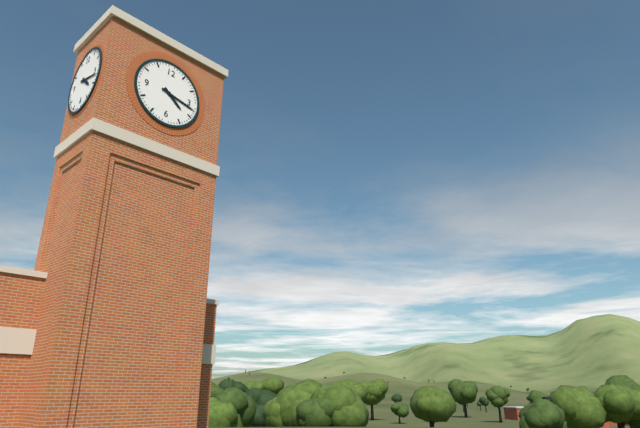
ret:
4:17
